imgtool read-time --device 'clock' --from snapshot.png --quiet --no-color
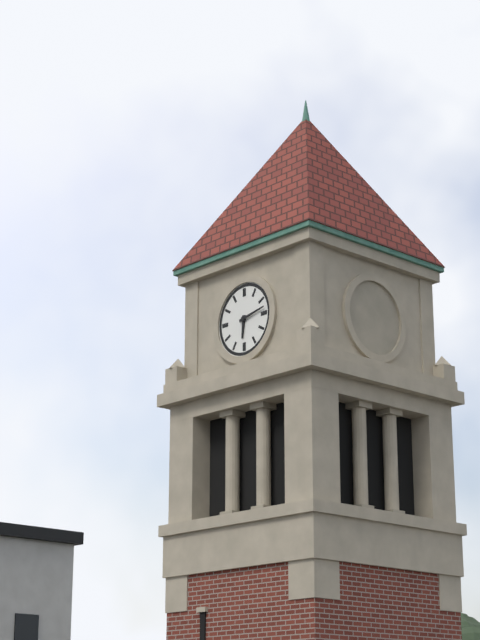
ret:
6:13
